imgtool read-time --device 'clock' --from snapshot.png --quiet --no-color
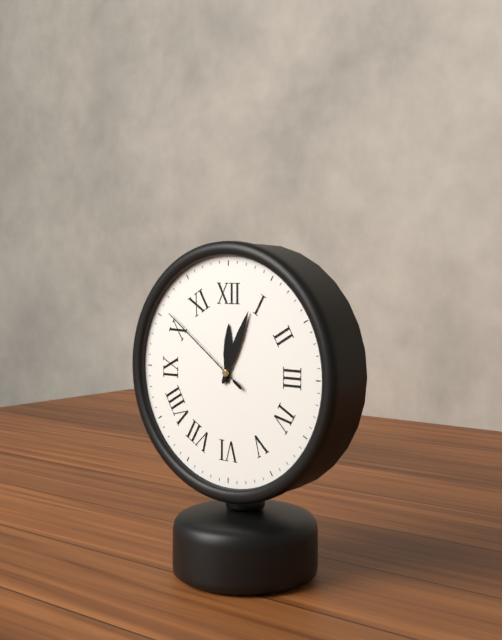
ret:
12:04:51
